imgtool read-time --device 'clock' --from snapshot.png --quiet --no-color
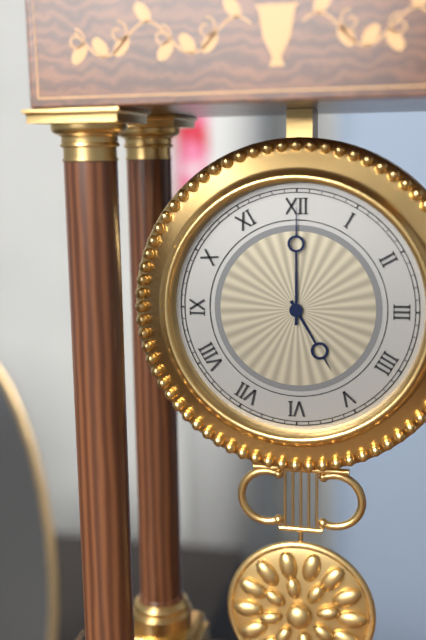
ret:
5:00
